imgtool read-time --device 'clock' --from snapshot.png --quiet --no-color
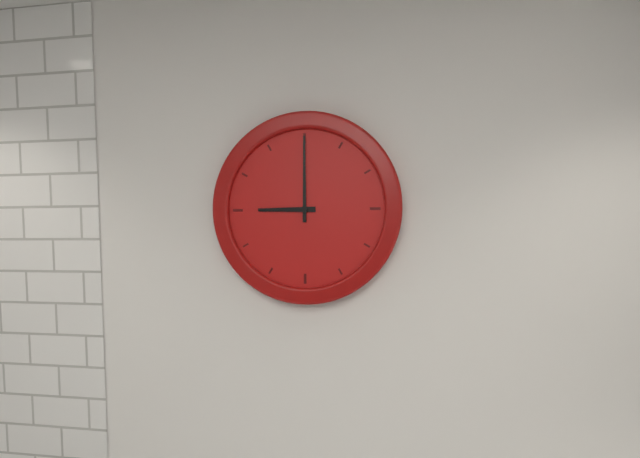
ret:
9:00
